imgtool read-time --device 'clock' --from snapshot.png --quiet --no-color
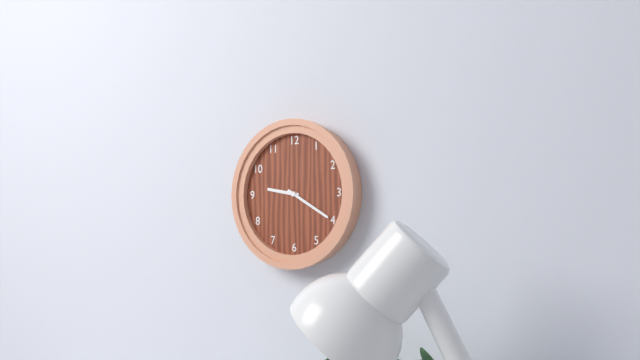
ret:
9:20
